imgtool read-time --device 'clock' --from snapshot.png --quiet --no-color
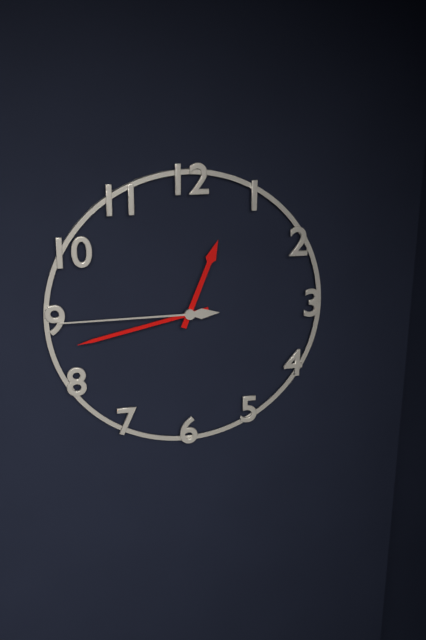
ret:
12:43:45
